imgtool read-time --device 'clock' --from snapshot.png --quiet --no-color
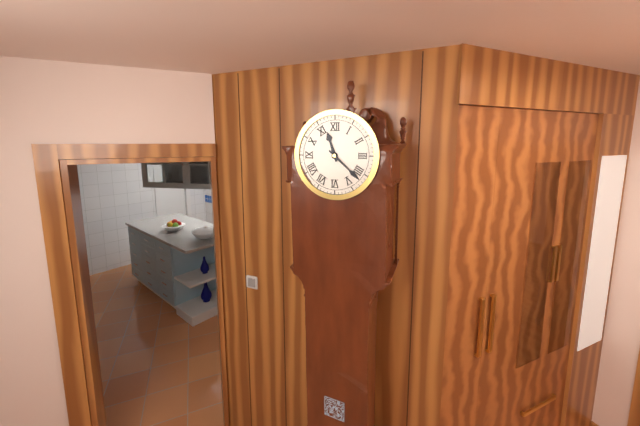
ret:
11:22
